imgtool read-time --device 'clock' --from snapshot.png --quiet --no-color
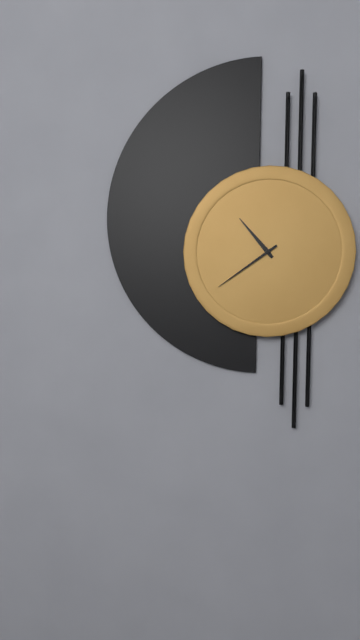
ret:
10:39
